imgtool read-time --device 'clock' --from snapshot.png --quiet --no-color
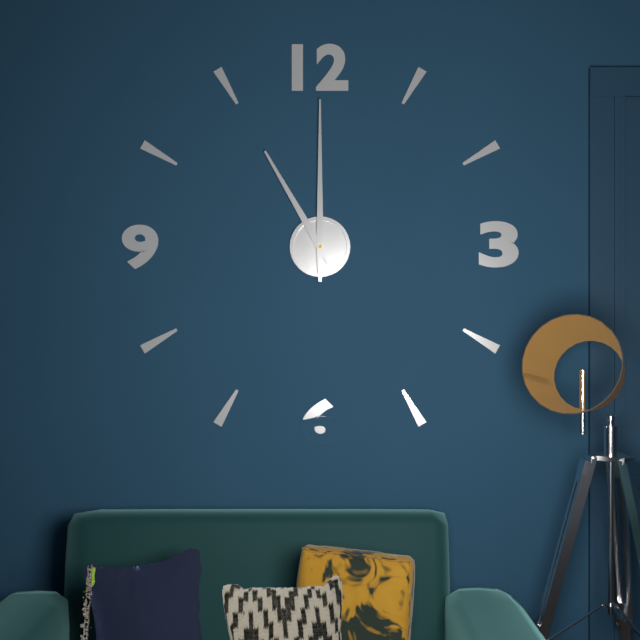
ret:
11:00
